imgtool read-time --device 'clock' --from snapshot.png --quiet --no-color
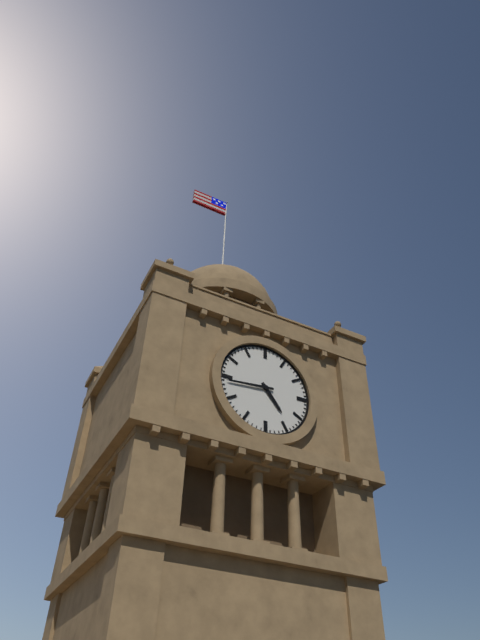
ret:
4:44
